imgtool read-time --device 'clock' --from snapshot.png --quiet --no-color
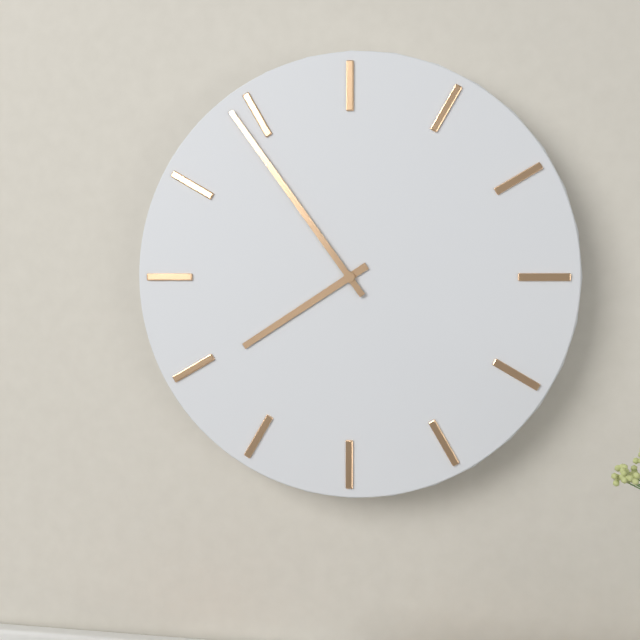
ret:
7:54
